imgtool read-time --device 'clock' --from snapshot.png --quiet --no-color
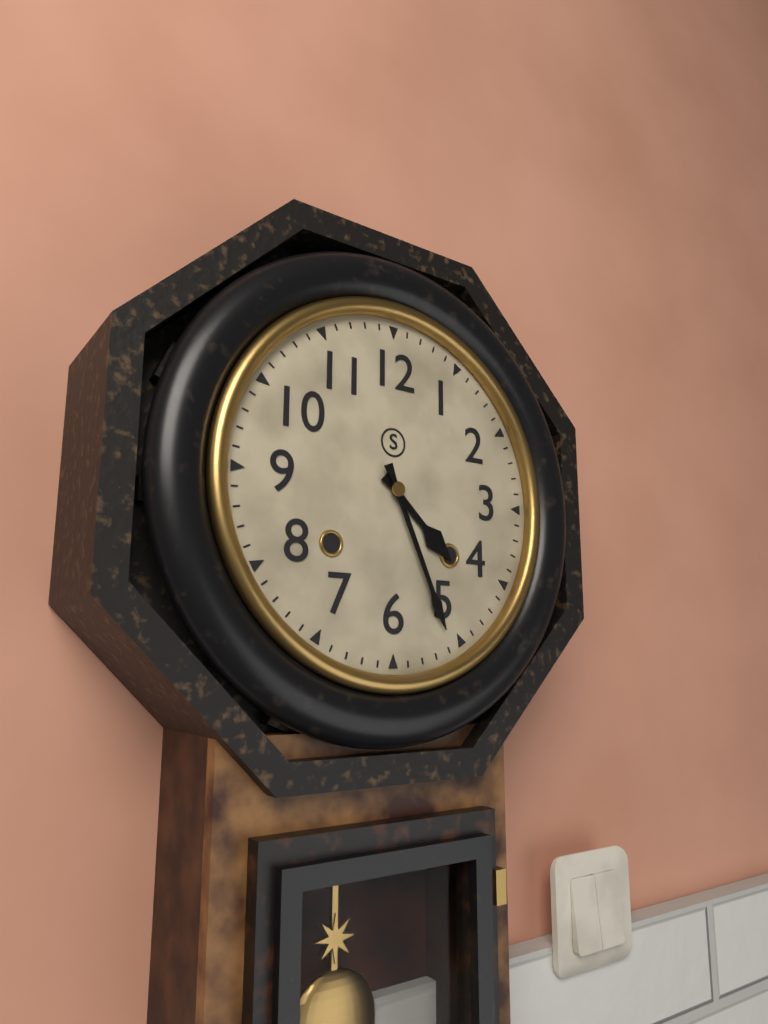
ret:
4:26
